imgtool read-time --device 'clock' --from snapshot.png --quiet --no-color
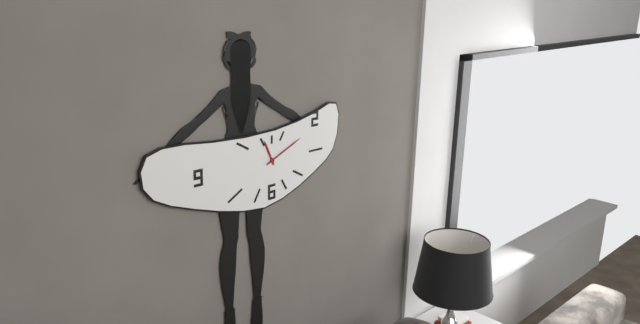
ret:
11:11
